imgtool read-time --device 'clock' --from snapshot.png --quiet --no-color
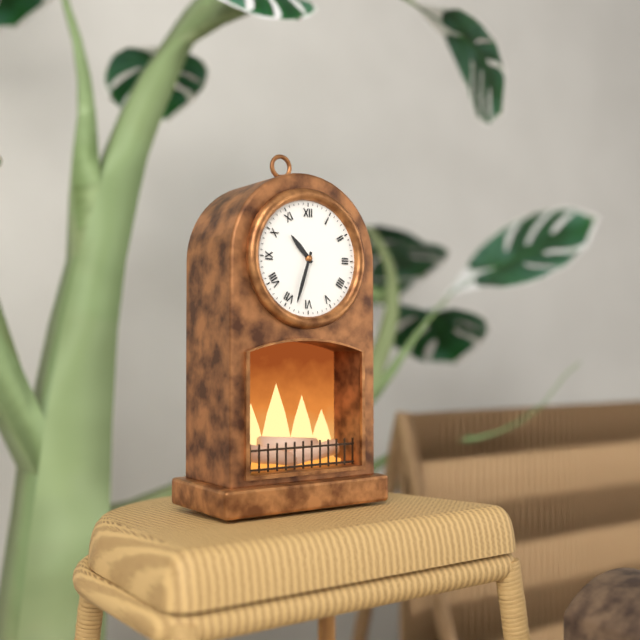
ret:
10:33
